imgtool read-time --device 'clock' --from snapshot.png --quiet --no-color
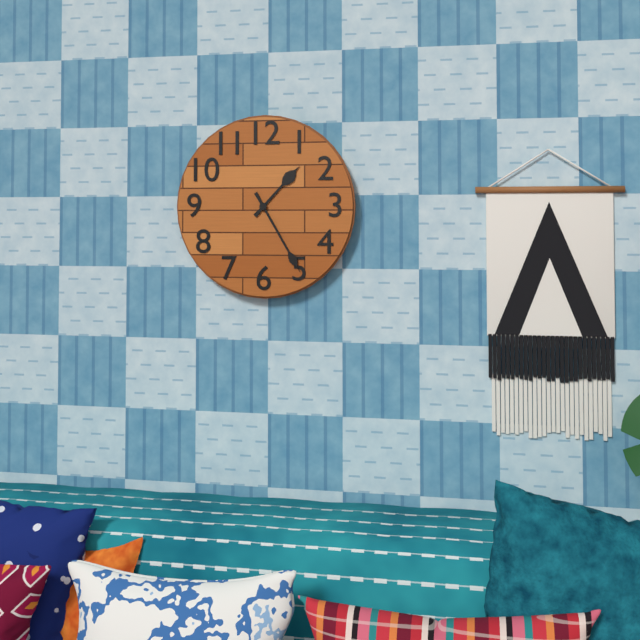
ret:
1:25
